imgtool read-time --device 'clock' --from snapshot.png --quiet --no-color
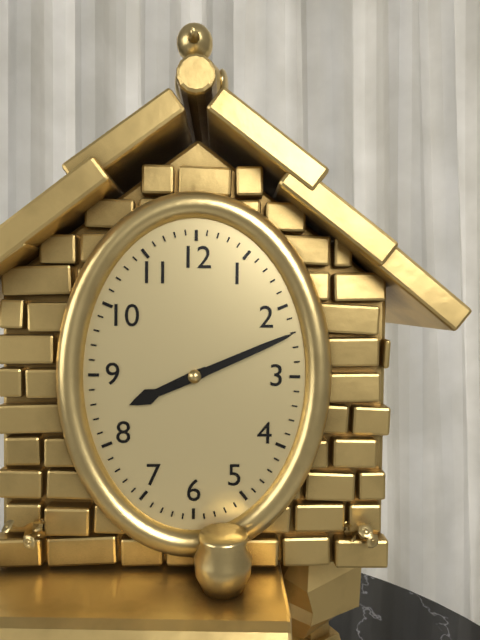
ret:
8:11
